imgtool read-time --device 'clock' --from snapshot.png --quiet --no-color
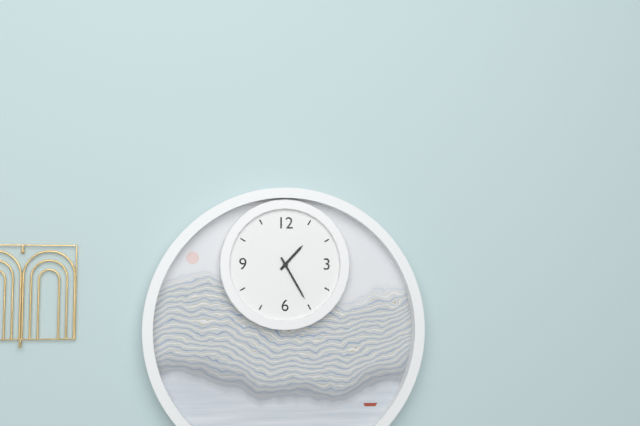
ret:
1:25
